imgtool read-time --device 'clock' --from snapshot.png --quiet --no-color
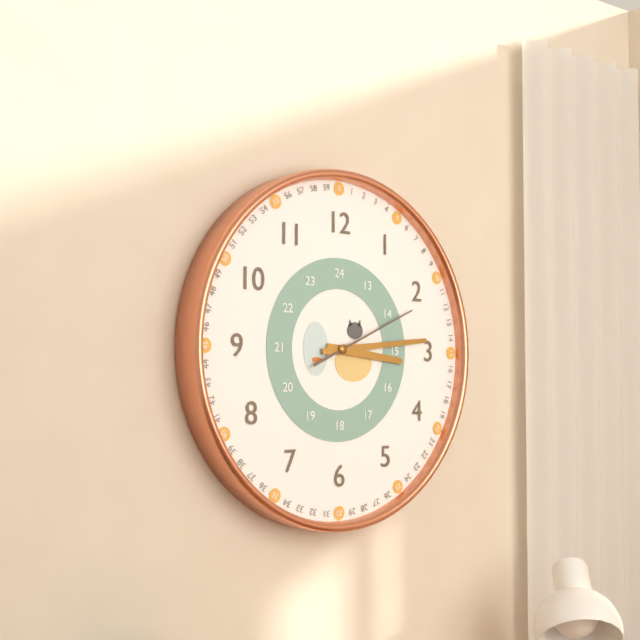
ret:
3:14:11
